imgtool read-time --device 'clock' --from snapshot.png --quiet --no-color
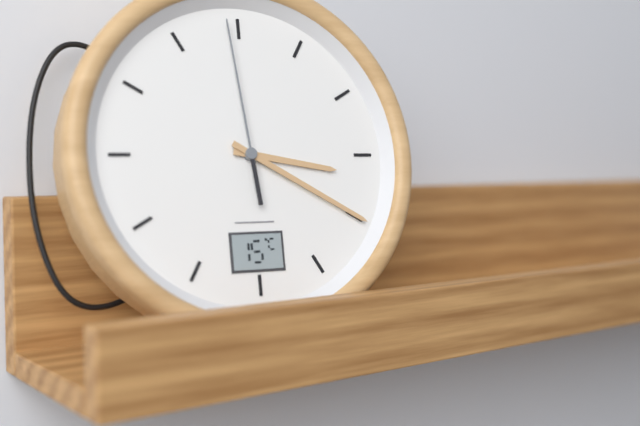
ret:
3:20:59
